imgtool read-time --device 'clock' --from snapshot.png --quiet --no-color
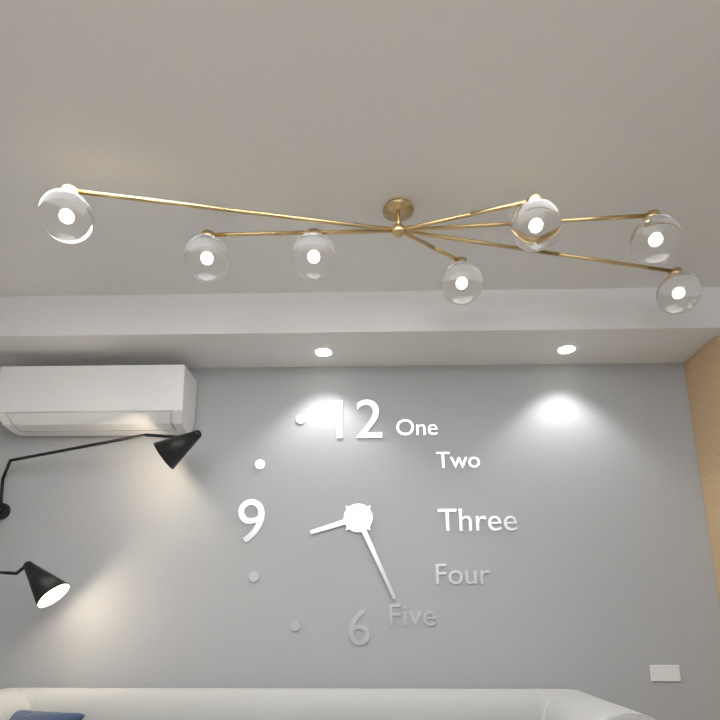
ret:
8:26
